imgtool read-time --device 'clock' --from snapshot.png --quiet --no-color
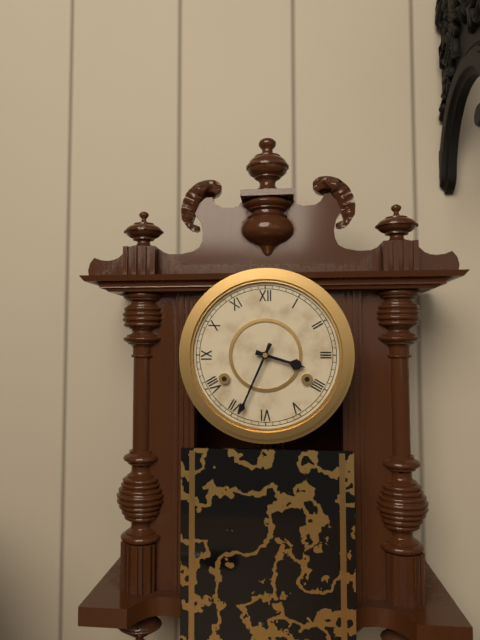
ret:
3:34
